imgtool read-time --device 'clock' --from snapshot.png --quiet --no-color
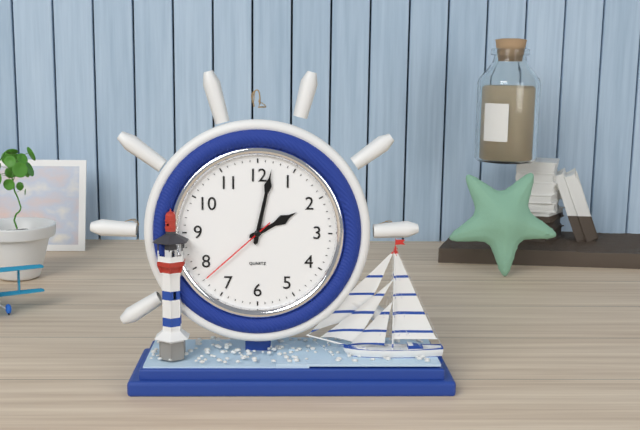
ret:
2:02:38
